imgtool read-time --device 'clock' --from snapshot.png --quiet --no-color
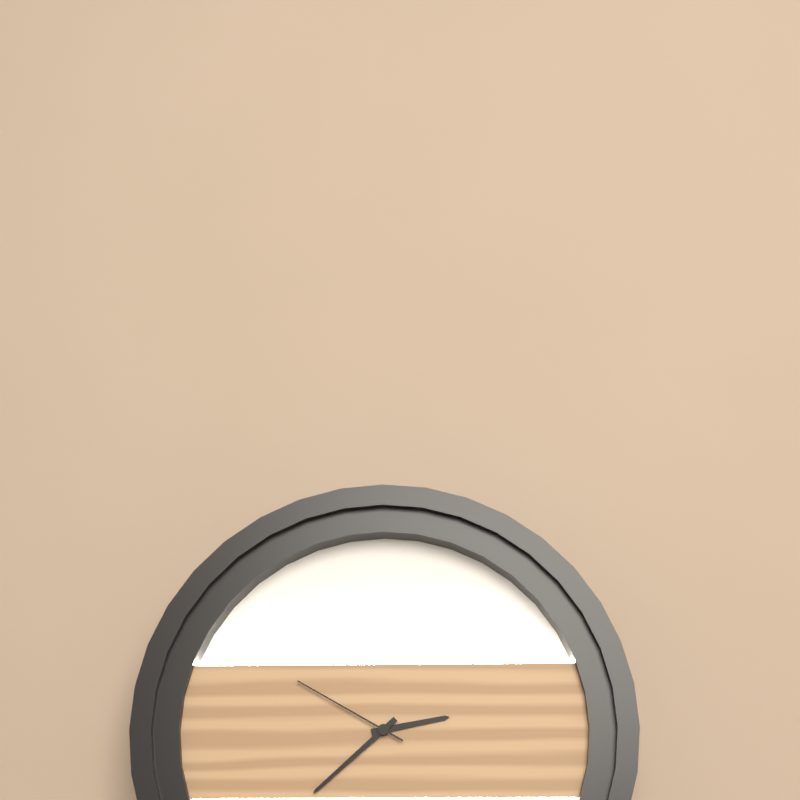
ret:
2:38:50
